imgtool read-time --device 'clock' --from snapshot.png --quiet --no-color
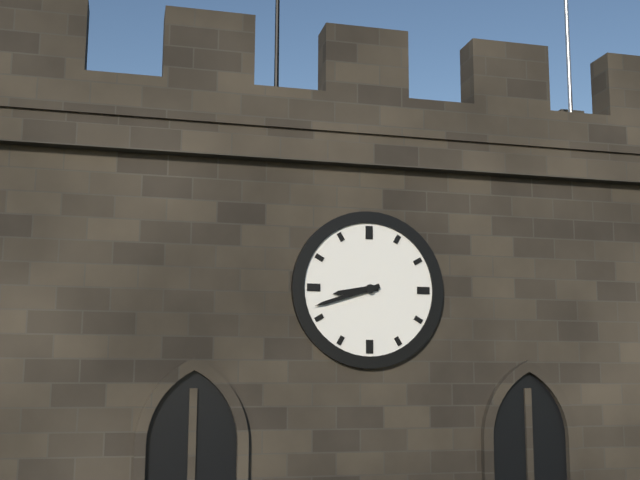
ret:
8:42
